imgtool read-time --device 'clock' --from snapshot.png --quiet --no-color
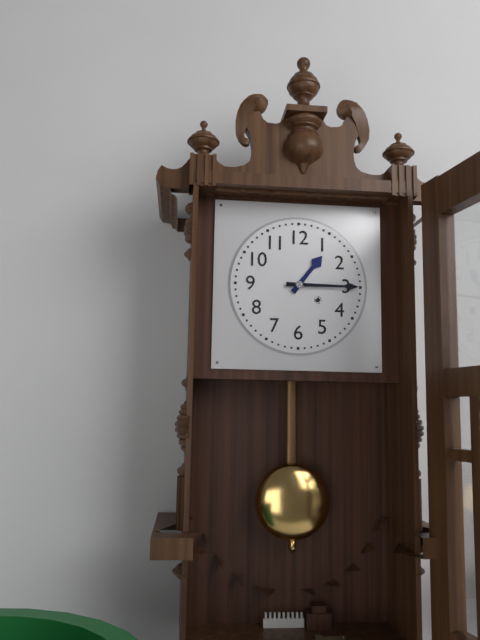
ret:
1:15
